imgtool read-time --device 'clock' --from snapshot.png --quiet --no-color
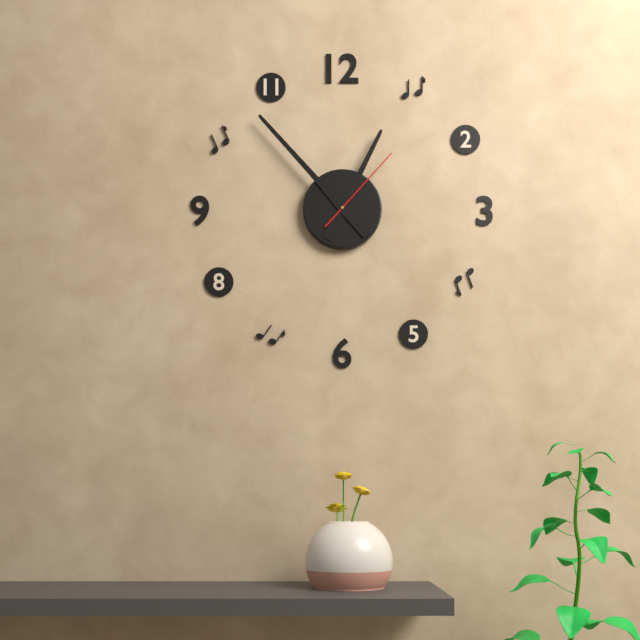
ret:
12:53:07
